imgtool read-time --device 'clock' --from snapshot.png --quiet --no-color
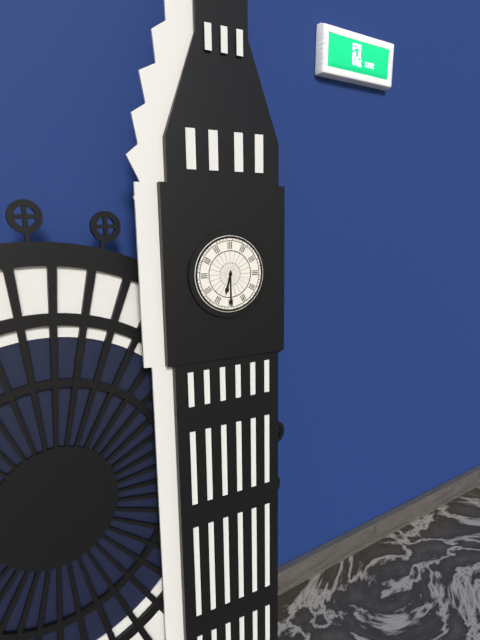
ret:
6:30
